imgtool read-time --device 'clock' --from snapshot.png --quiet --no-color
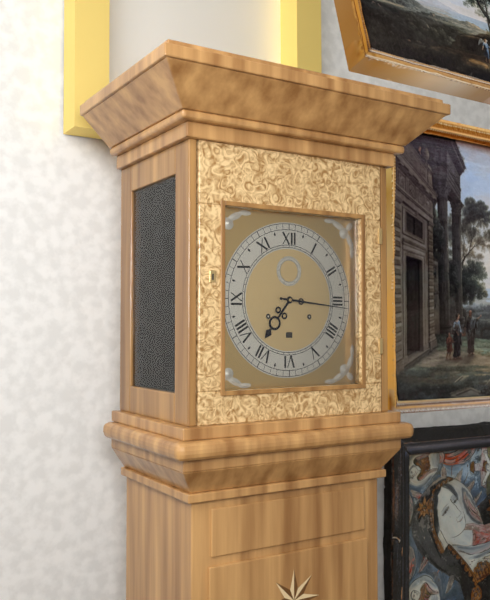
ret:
7:16
